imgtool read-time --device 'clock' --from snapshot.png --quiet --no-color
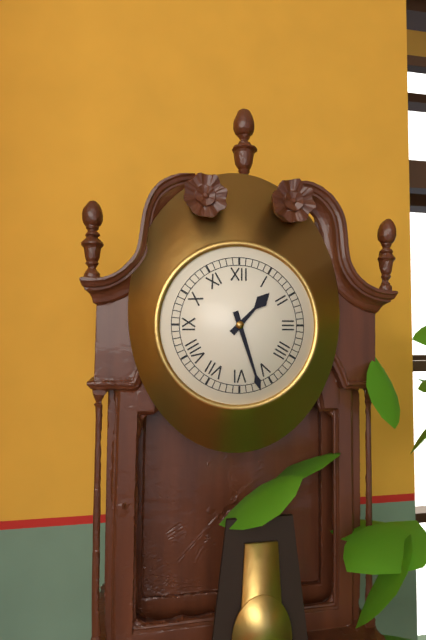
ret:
1:27
